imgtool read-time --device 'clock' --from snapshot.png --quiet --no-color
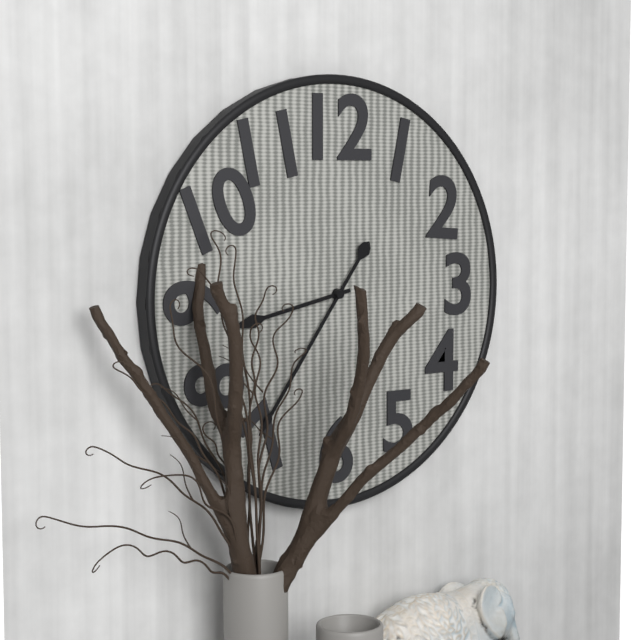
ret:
8:36
